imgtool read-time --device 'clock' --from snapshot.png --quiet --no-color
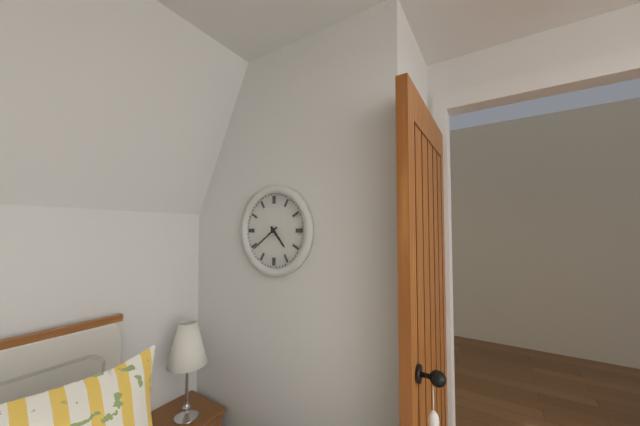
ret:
4:39
